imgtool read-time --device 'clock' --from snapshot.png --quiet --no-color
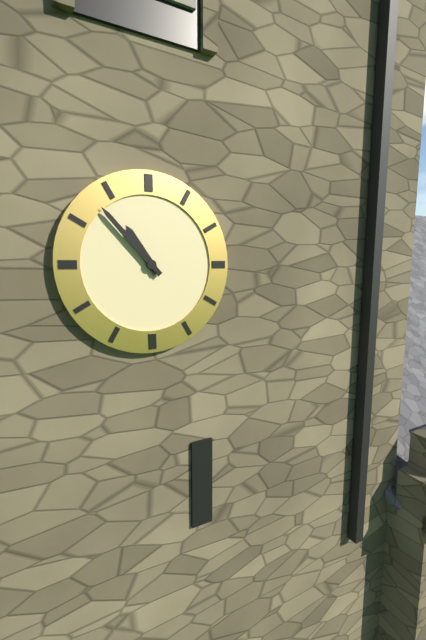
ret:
10:53
